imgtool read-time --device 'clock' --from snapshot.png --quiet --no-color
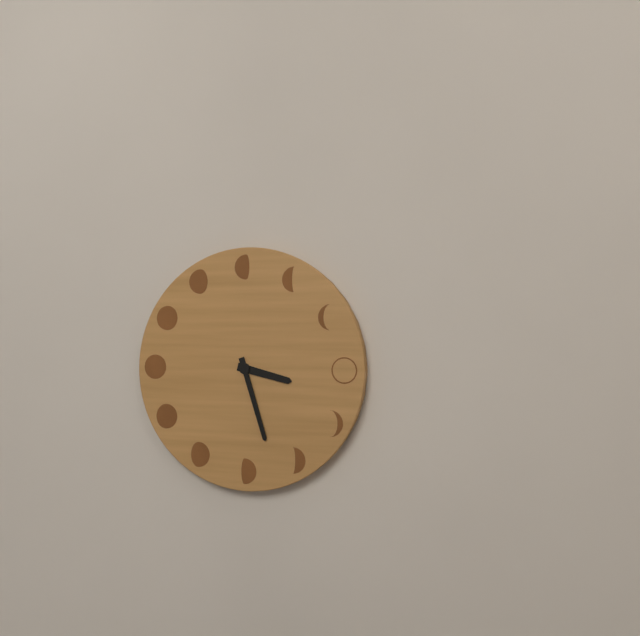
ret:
3:27
